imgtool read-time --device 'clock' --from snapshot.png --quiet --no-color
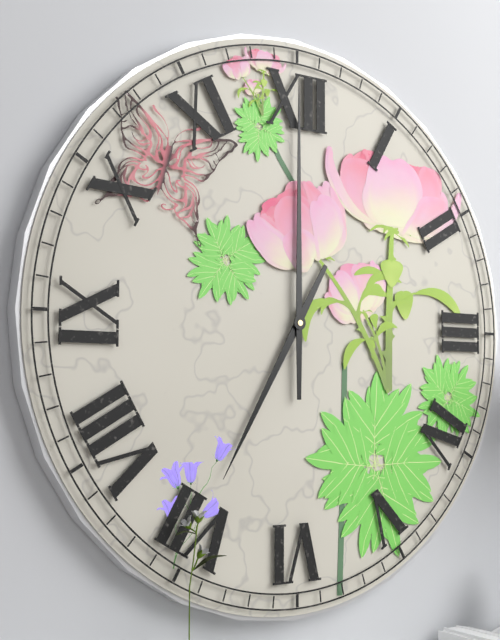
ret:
7:00
